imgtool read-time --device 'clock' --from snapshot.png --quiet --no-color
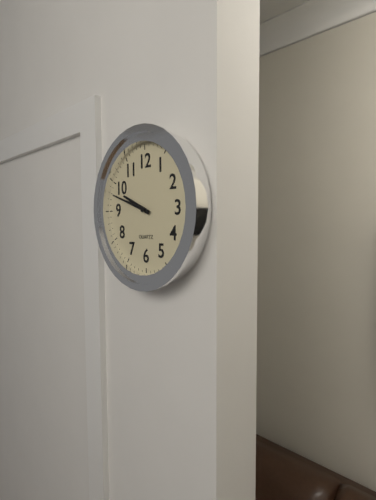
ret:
9:48
